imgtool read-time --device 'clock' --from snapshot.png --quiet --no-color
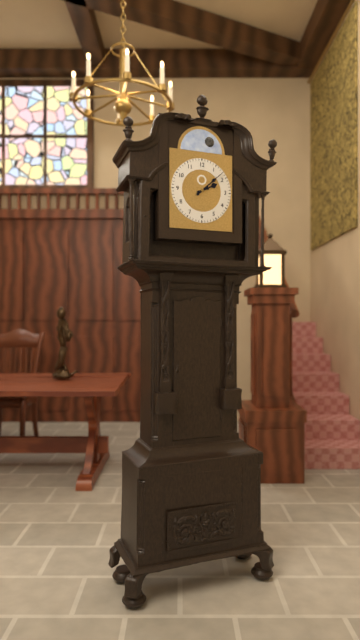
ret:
2:08
